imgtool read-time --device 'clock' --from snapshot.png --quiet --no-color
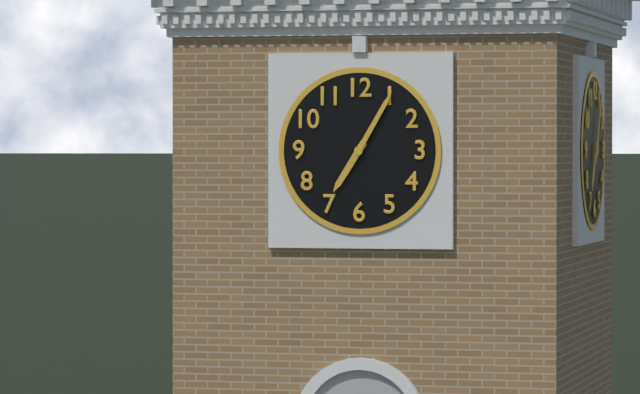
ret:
7:05
